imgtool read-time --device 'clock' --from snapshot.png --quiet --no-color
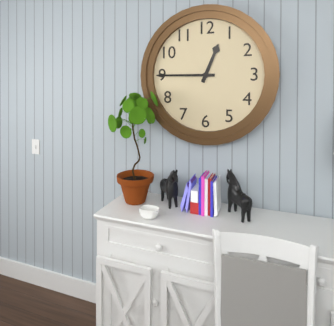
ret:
12:45
